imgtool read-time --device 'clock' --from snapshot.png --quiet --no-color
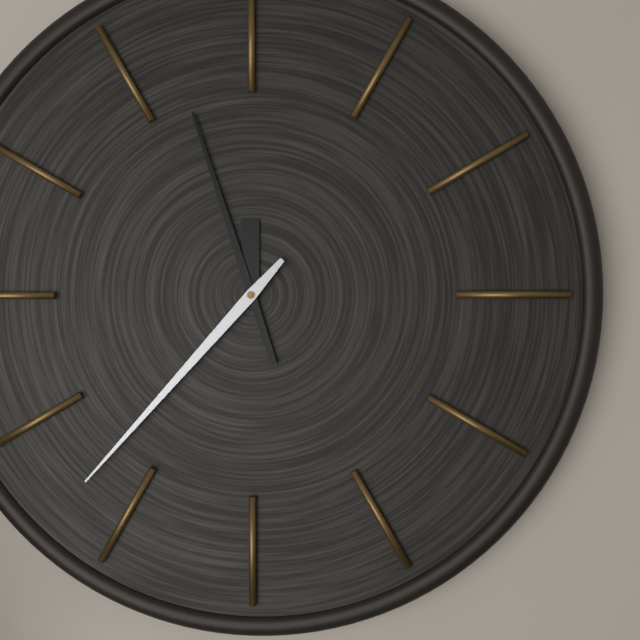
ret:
11:57:37
